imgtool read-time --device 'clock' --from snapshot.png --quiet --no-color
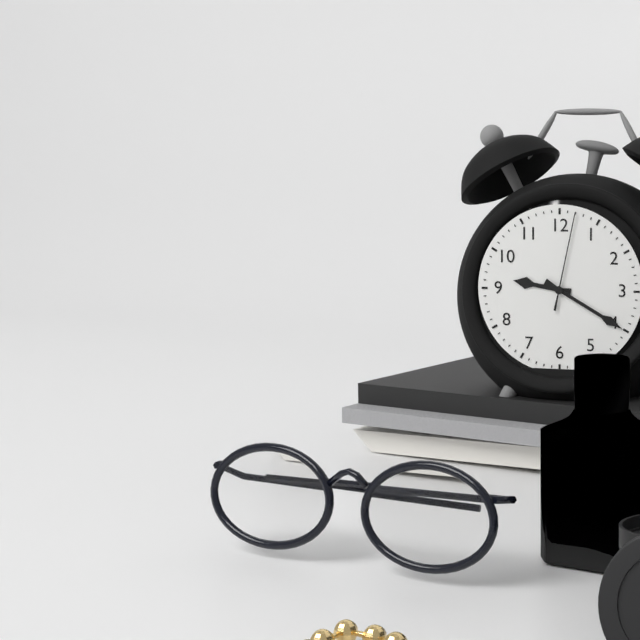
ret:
9:20:02
